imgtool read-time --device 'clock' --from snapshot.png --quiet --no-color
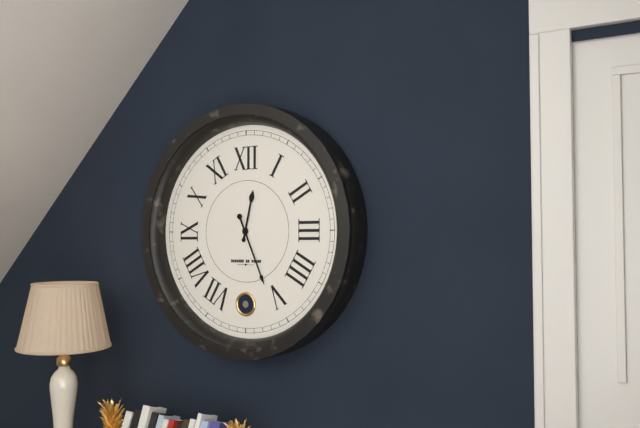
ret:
12:26
